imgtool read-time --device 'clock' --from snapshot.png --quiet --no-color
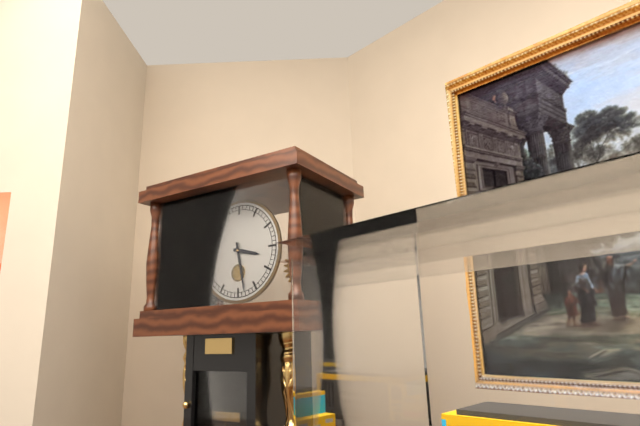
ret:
3:28
